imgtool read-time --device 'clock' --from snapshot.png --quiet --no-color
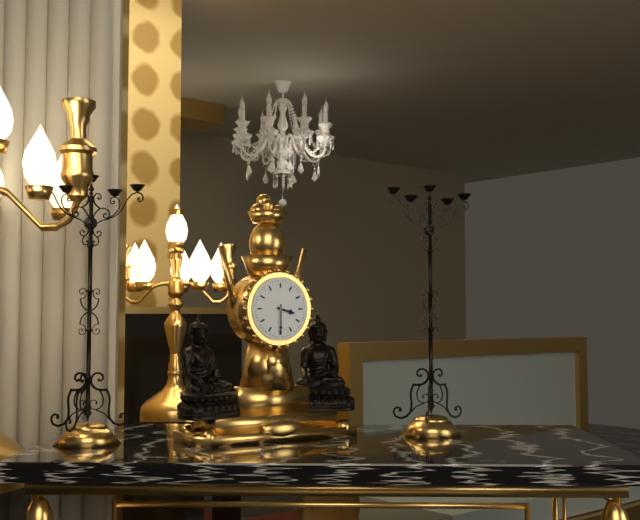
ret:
3:30
